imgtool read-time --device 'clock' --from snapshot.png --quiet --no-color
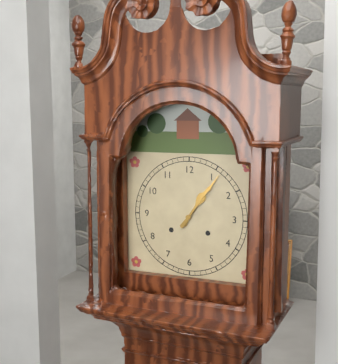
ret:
1:06
